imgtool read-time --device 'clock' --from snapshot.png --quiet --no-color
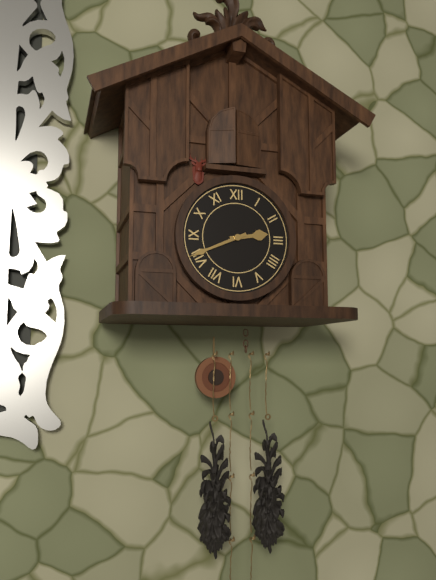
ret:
2:41
